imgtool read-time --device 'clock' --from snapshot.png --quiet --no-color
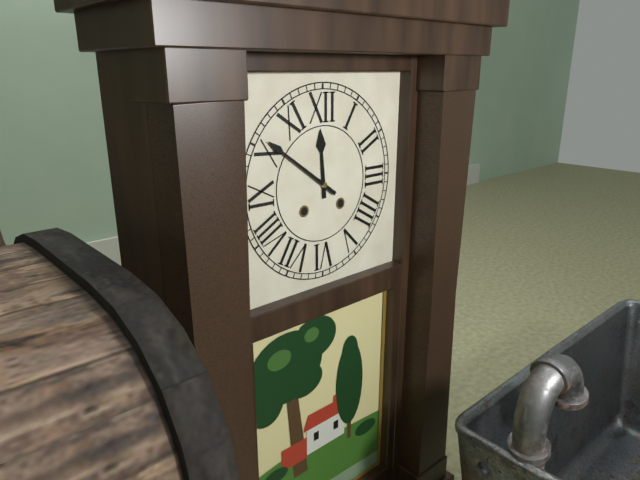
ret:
11:51
